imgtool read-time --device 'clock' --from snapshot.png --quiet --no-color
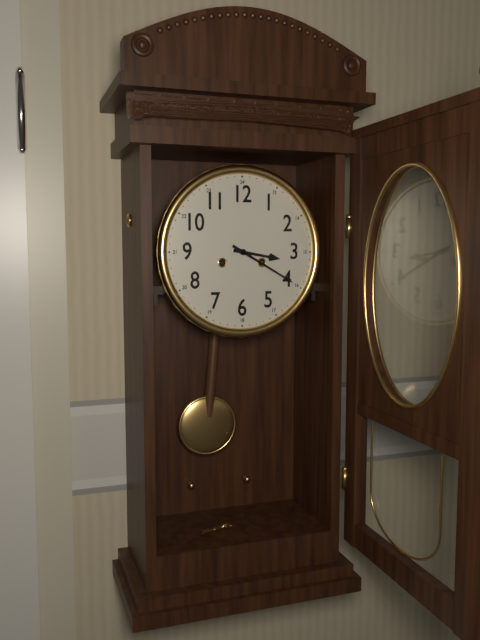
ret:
3:20
